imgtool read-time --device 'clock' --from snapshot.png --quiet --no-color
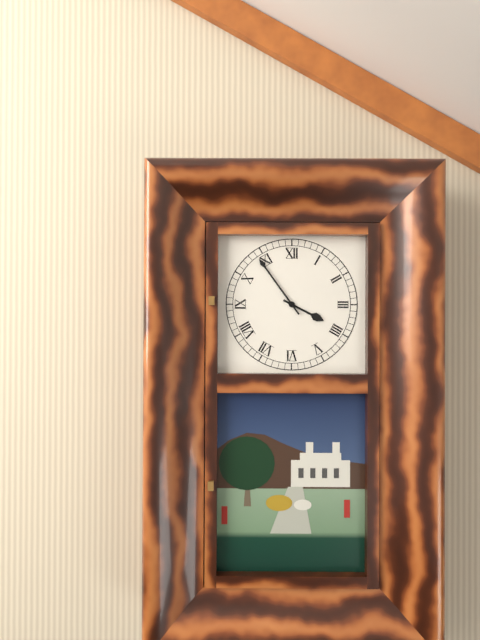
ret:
3:54
